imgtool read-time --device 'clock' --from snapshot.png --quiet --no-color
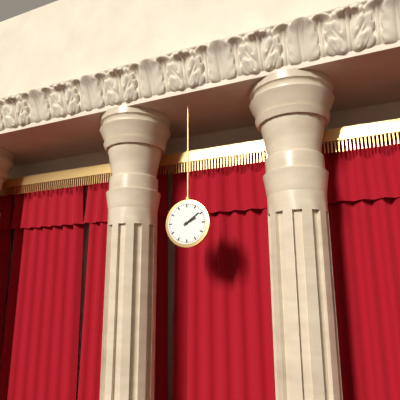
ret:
2:09
